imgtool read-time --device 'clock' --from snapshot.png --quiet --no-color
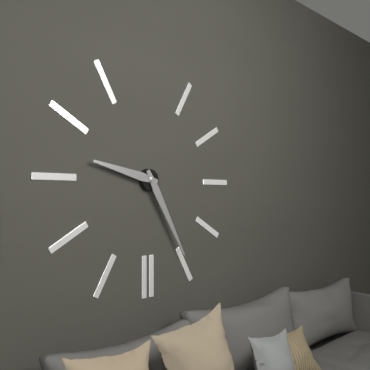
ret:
9:25
